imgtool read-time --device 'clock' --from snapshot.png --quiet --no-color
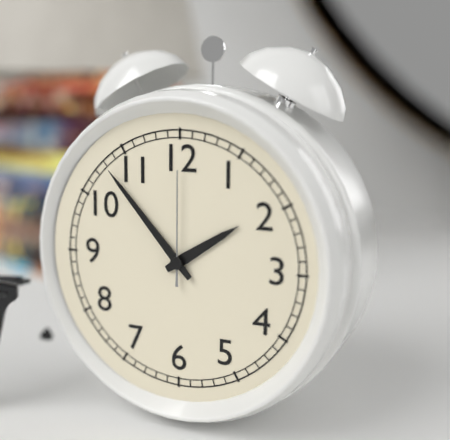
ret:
1:53:00
